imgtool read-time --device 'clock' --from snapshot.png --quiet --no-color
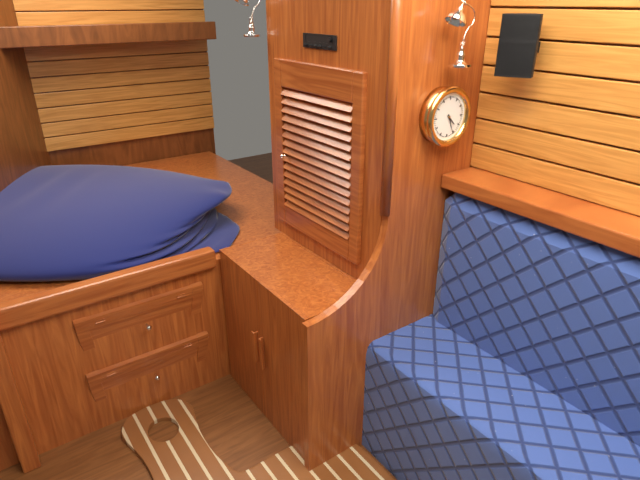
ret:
4:26
